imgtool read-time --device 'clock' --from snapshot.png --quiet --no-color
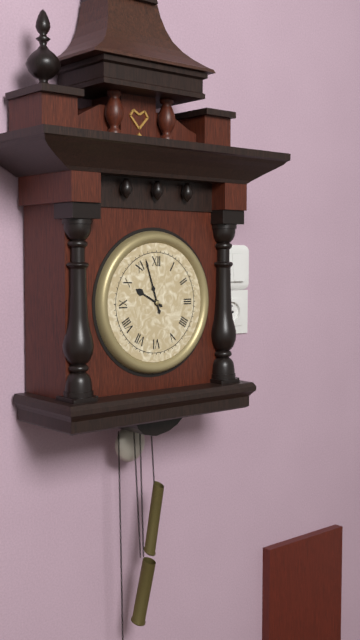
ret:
9:57
